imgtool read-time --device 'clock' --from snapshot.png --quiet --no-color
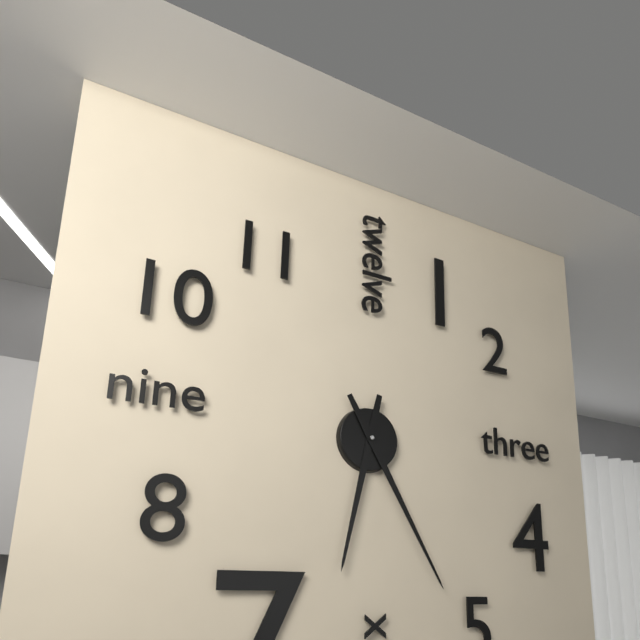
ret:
6:25
